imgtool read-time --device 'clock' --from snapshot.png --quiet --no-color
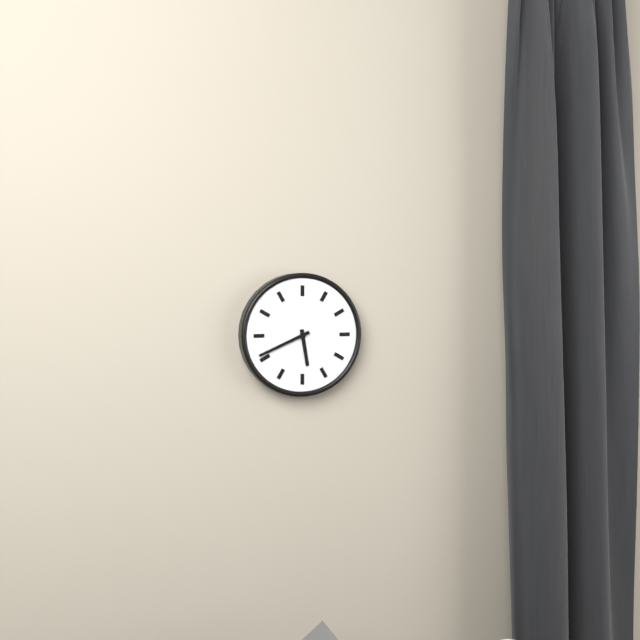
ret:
5:41
